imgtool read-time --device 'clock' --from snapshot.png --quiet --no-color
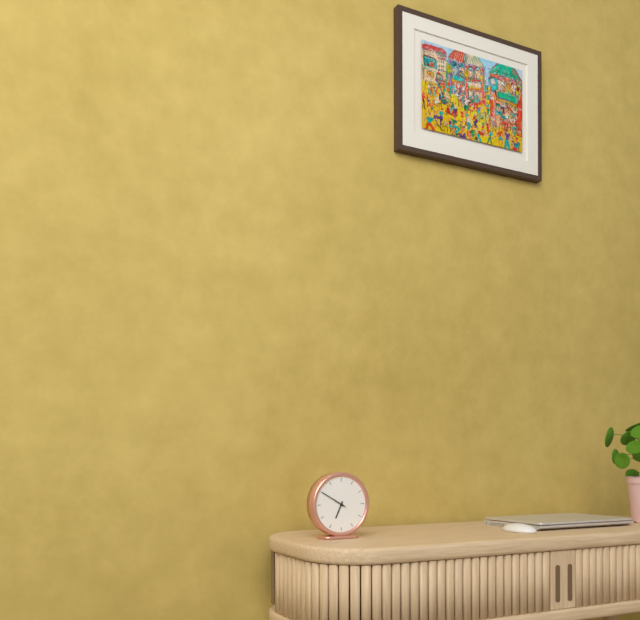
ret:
6:50
